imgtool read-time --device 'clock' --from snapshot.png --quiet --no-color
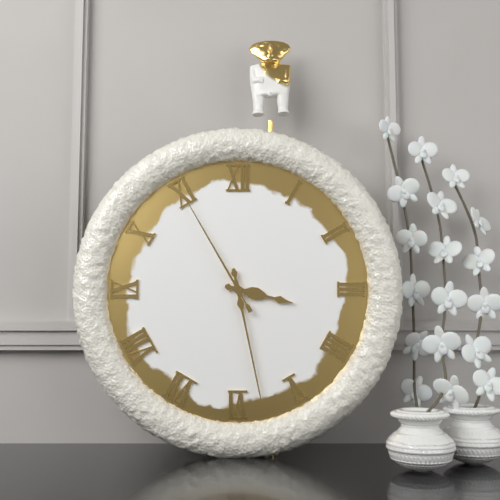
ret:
3:28:55
